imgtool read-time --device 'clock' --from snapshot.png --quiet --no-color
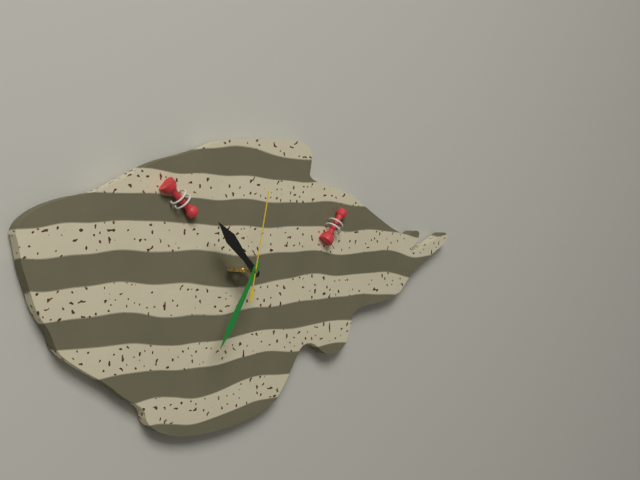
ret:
10:35:02
